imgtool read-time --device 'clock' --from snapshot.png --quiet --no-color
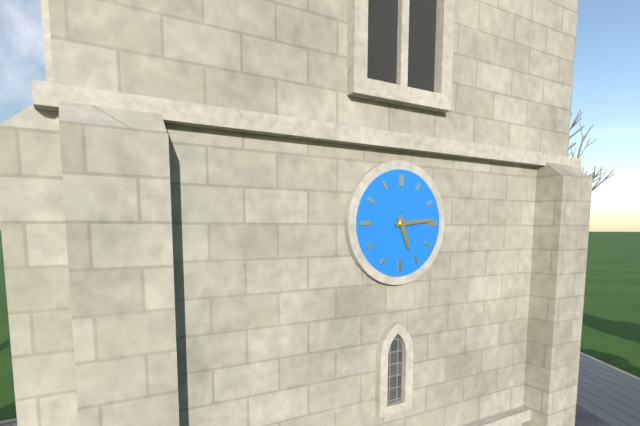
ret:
5:14
